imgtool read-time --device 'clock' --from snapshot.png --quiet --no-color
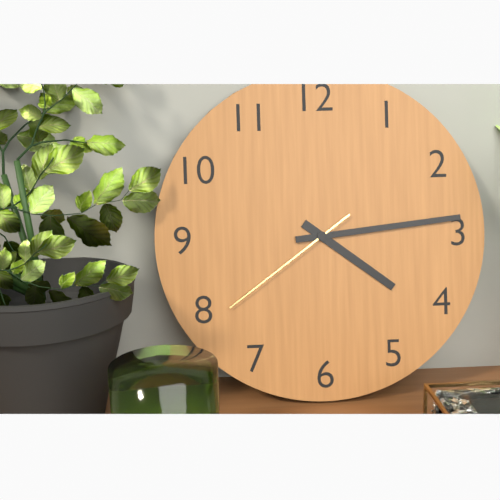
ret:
4:14:39
